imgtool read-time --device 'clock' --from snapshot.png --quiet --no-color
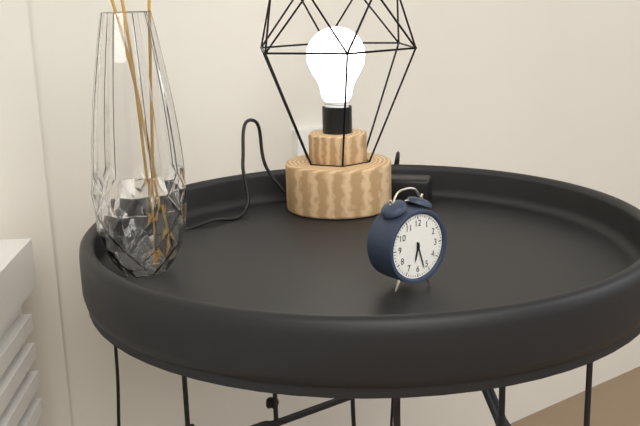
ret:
6:27
